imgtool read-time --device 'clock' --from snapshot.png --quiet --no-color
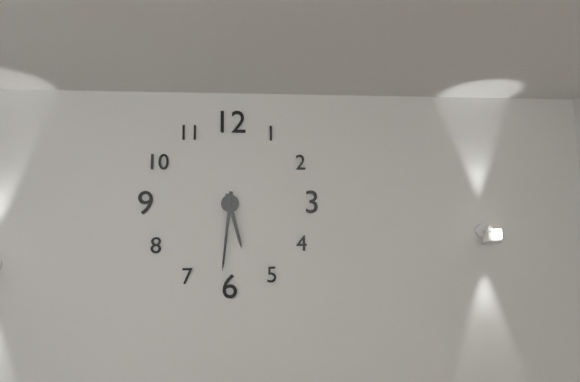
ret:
5:31
